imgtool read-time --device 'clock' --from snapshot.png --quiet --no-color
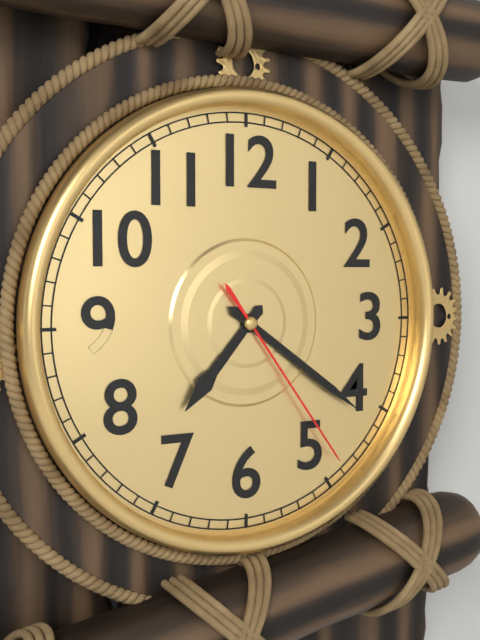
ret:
7:21:24
